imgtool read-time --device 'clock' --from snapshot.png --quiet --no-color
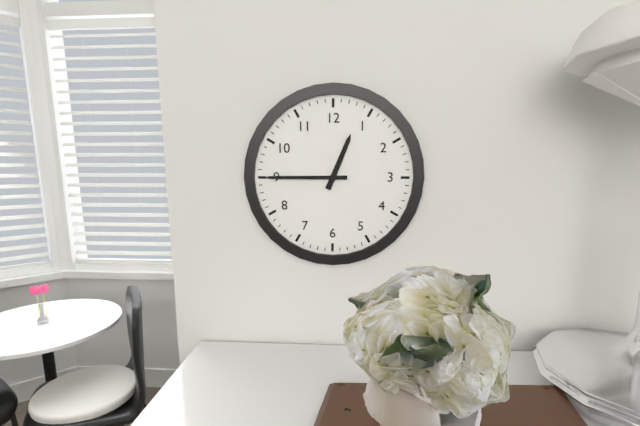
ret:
12:45
